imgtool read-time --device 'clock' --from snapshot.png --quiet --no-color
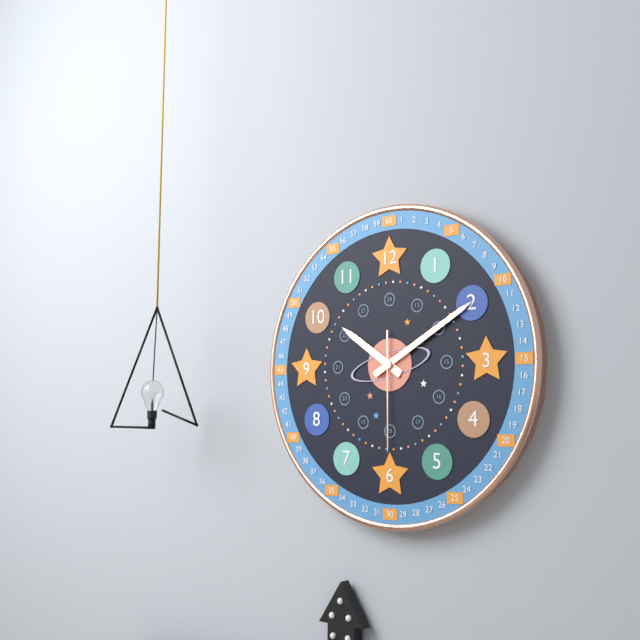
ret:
10:10:30
